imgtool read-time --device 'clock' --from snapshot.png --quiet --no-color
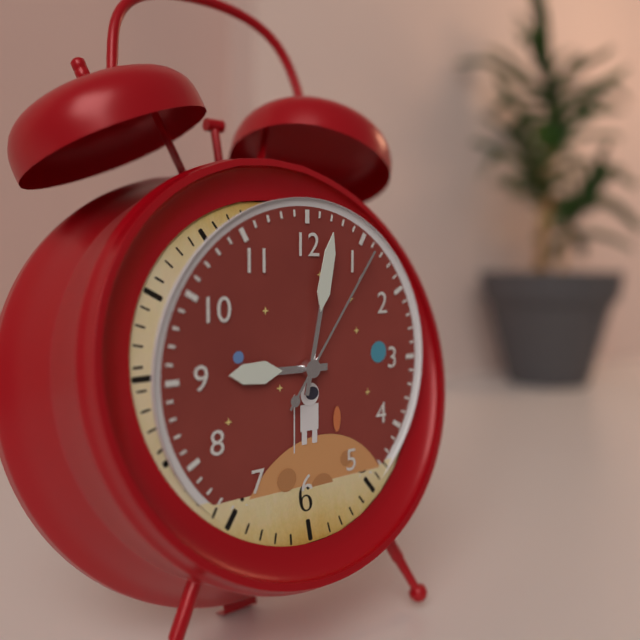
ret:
9:02:06
